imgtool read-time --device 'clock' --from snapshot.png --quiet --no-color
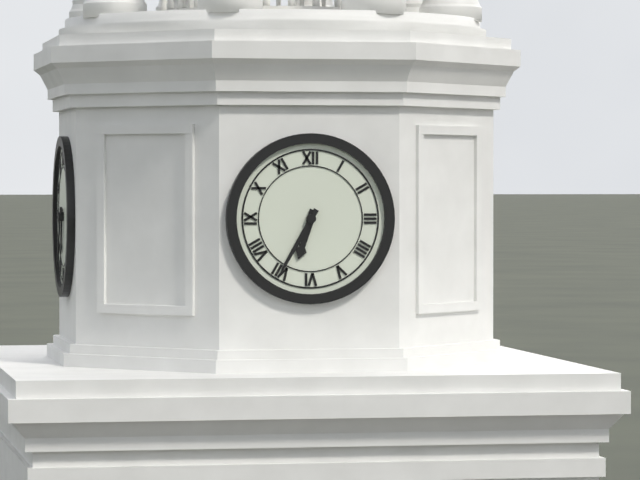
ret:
6:35
